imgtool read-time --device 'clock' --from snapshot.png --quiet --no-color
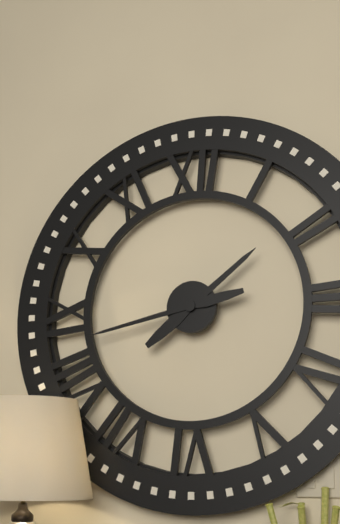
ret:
1:43
